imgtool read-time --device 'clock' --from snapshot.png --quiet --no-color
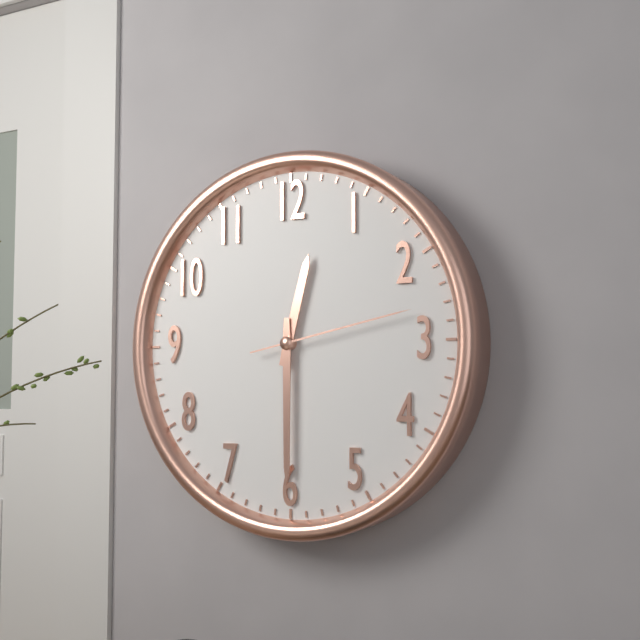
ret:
12:30:13
